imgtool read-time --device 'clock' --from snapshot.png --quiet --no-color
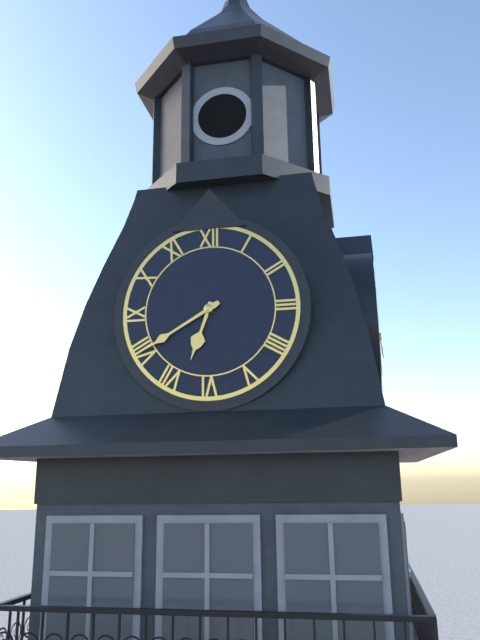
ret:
6:40
